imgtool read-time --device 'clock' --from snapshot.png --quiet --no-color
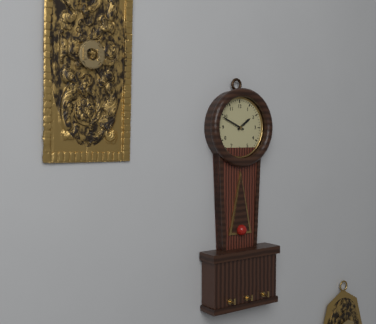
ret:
1:49
